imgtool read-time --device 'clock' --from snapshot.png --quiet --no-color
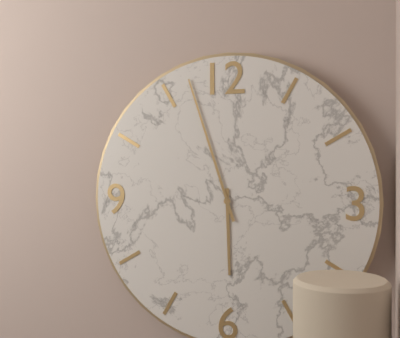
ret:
5:57
